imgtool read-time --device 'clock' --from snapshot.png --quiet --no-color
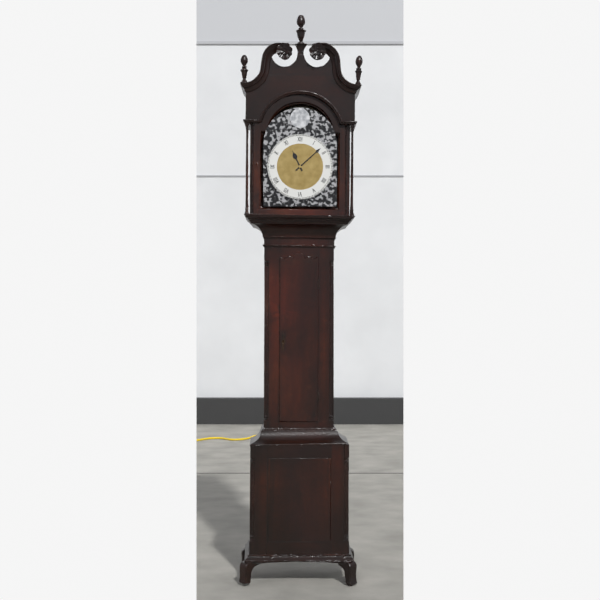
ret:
11:08
